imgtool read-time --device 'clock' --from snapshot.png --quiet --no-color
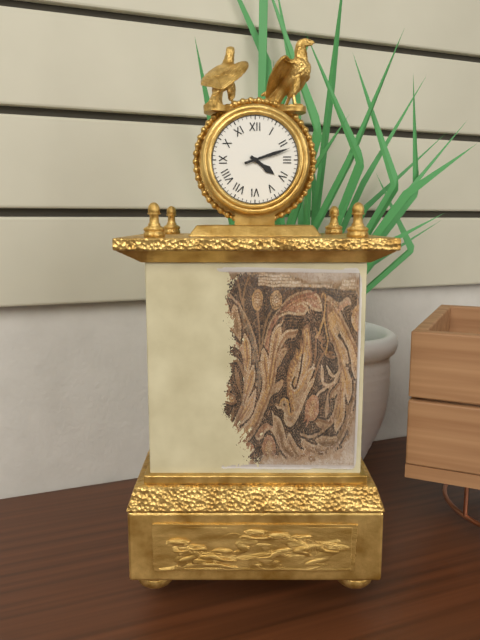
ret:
4:12
